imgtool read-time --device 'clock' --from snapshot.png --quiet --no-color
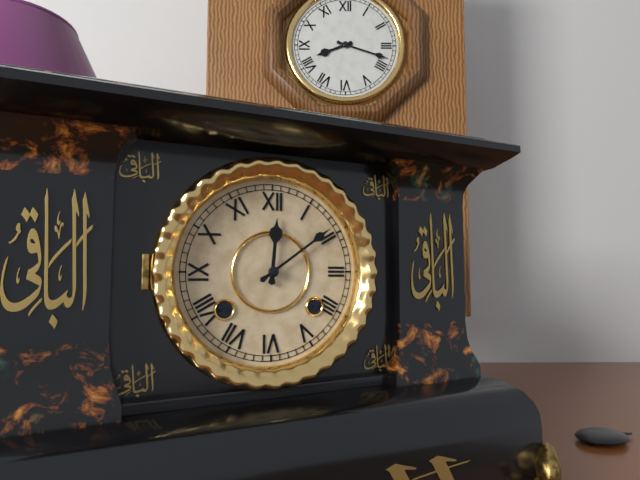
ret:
12:09
